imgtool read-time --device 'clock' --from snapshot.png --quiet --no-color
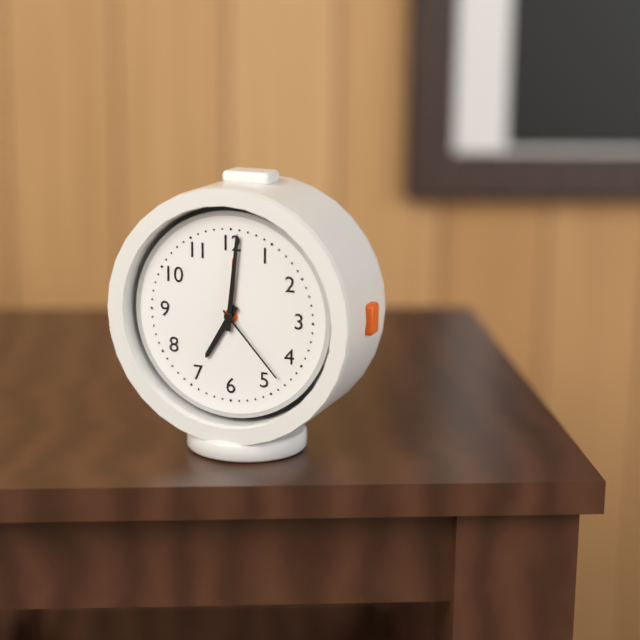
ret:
7:01:23
